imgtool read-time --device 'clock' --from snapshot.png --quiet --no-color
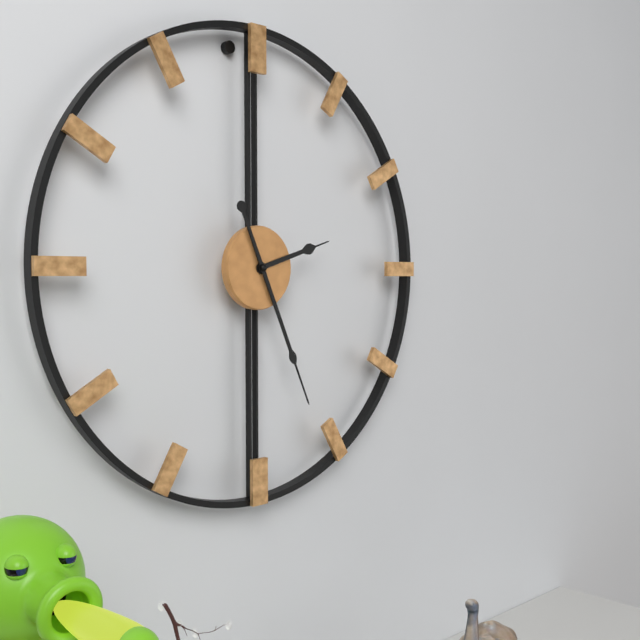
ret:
2:26
